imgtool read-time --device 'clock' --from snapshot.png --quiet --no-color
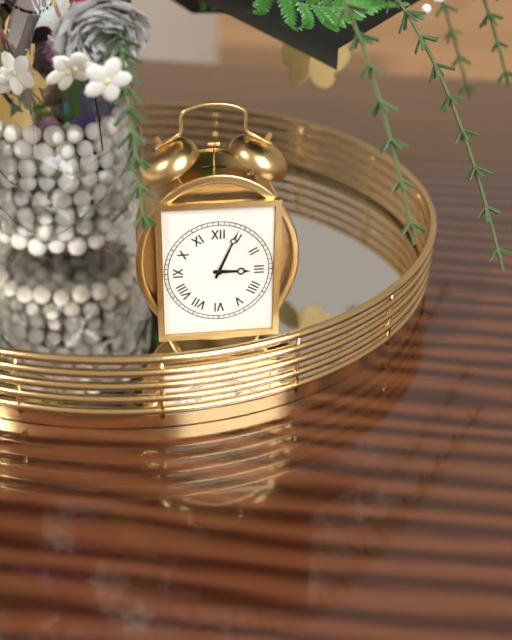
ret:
3:04
